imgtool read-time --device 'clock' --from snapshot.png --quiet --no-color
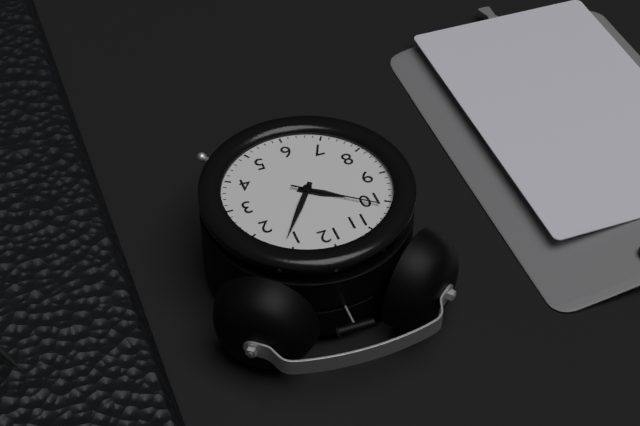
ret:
10:06:51
